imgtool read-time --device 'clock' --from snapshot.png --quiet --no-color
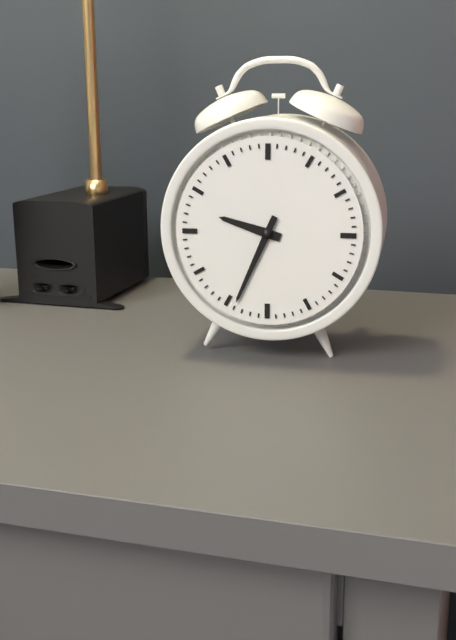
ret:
9:34
